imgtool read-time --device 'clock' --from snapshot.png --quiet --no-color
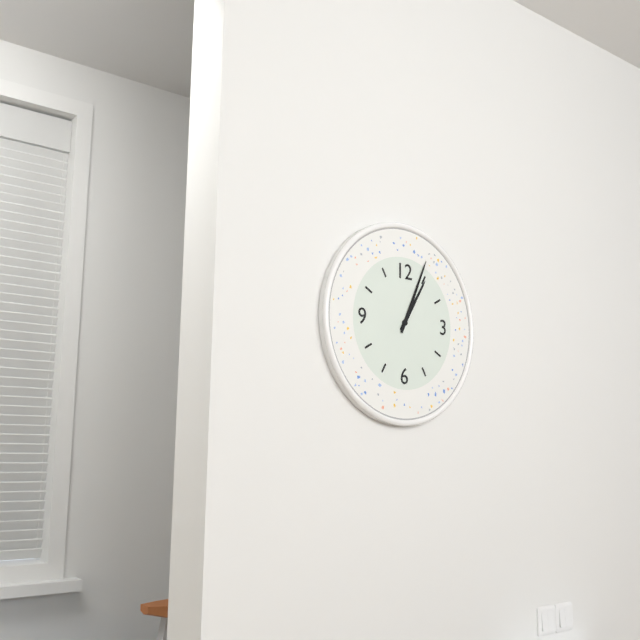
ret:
1:04
